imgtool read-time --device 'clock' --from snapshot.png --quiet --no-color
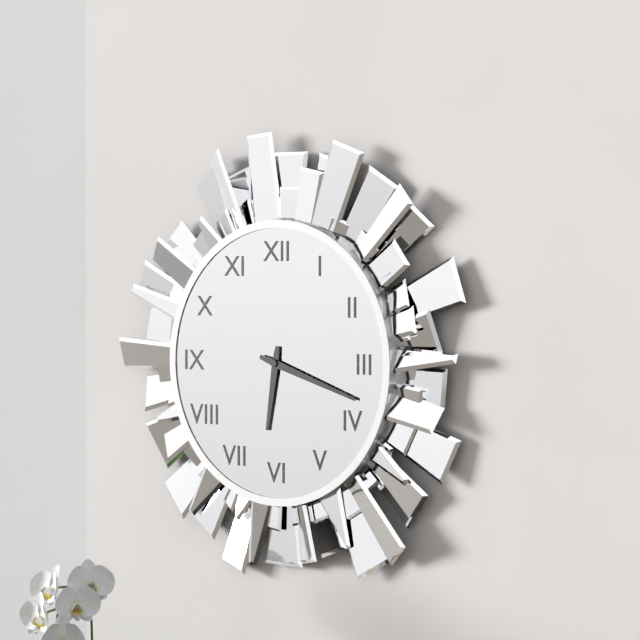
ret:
6:18
